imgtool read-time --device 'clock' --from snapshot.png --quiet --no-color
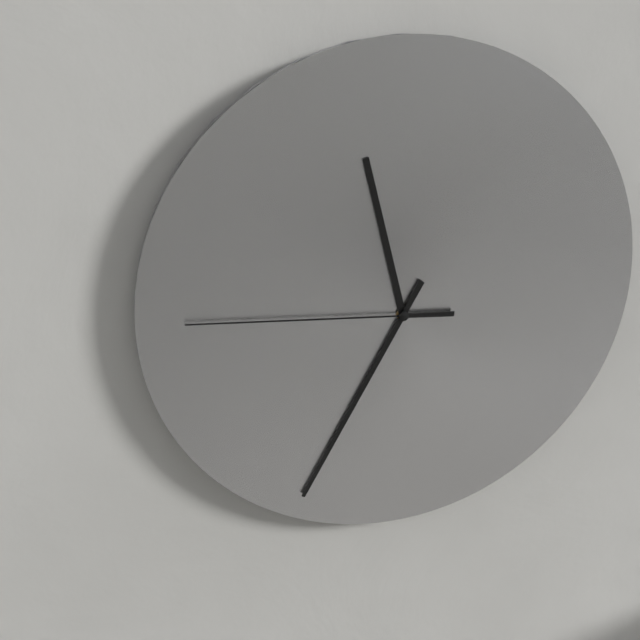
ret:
11:35:46
